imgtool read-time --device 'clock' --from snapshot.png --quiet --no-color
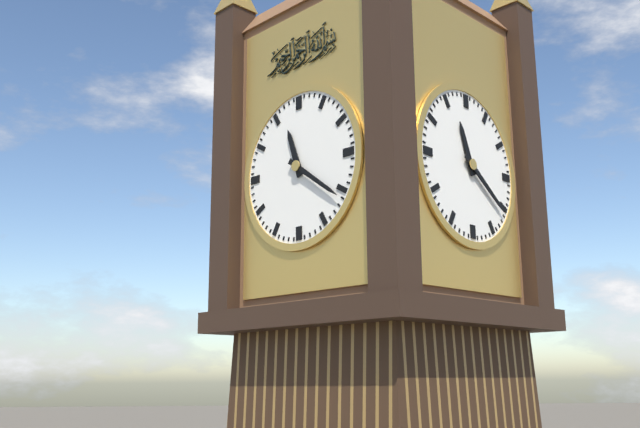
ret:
11:21
